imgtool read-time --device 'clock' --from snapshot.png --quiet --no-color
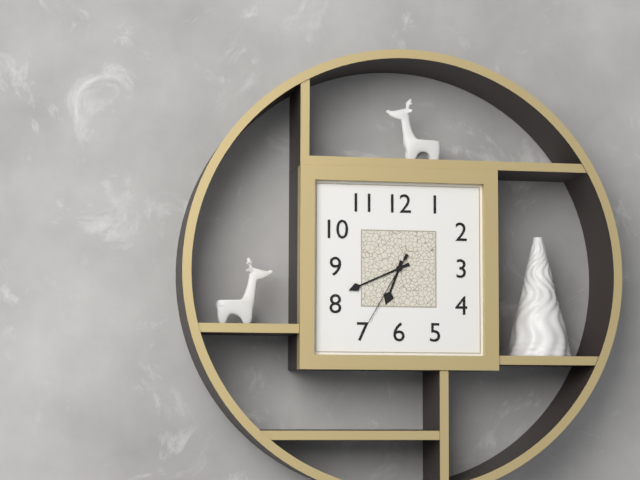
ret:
6:41:35
